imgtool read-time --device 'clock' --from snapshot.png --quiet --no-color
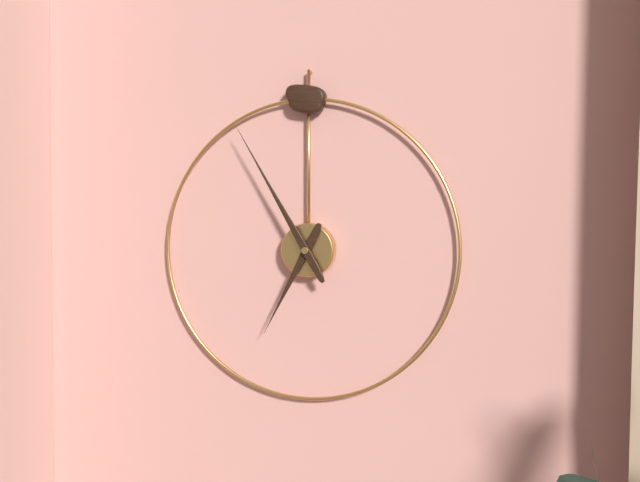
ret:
6:55
